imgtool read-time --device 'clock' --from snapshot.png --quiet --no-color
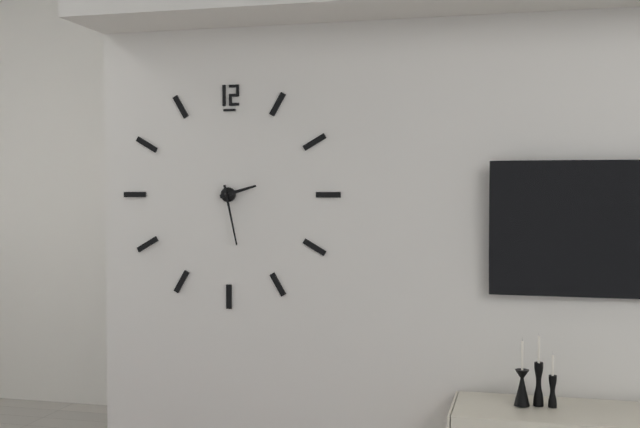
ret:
2:28
